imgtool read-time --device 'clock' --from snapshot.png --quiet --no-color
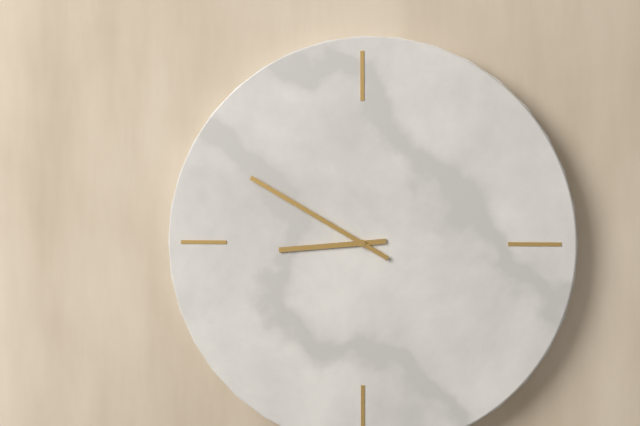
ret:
8:50
